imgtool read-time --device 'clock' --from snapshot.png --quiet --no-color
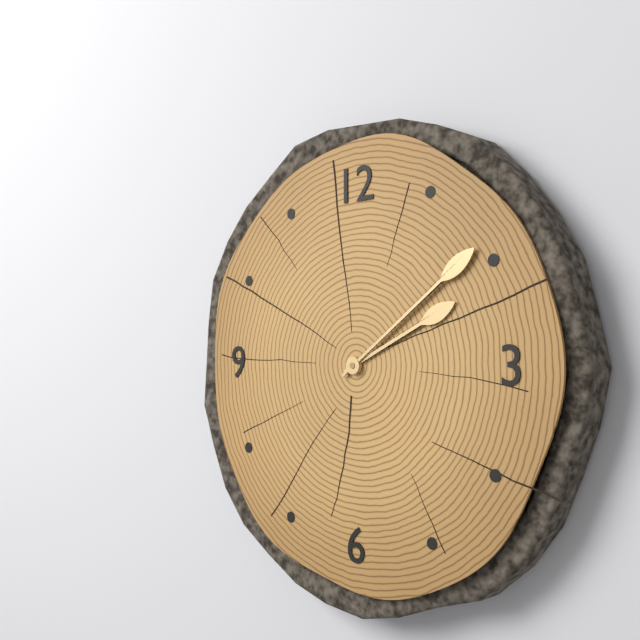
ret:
2:09
